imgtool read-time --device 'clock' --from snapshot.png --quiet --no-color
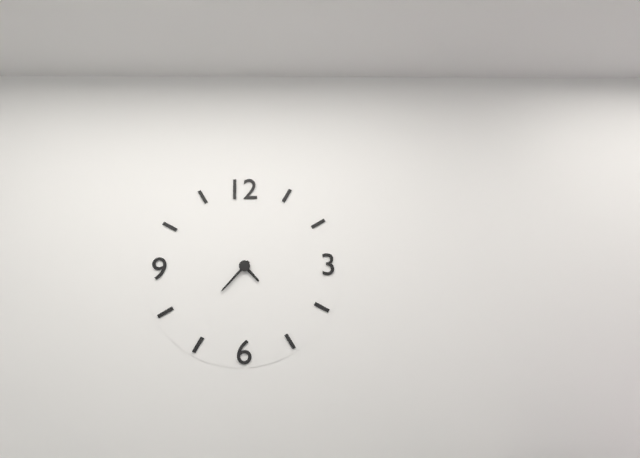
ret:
4:37
